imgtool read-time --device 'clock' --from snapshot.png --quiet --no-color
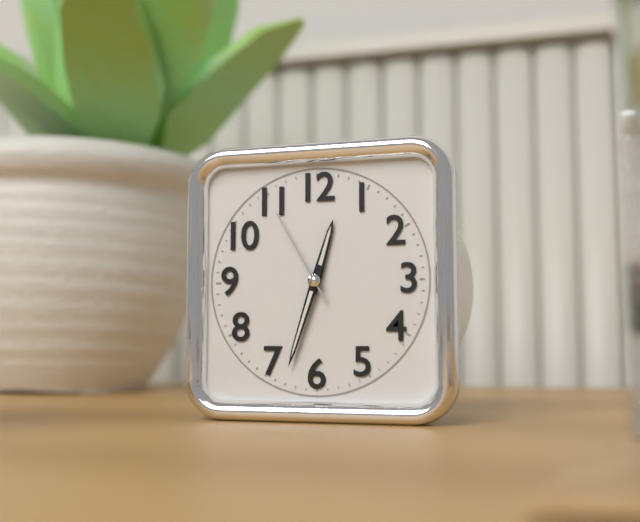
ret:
12:33:55
